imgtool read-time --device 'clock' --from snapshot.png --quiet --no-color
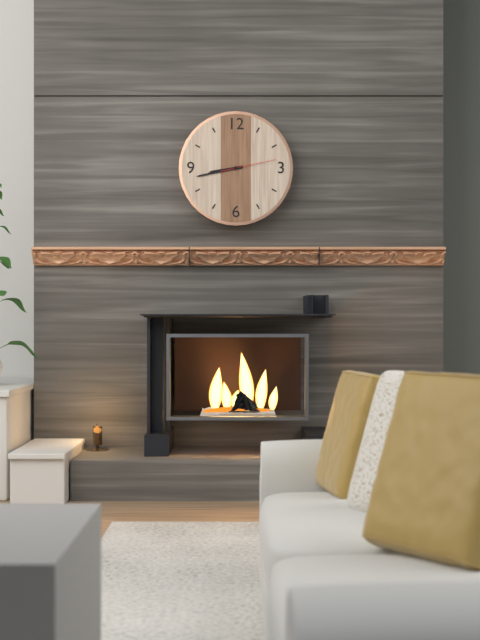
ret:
8:43:13
